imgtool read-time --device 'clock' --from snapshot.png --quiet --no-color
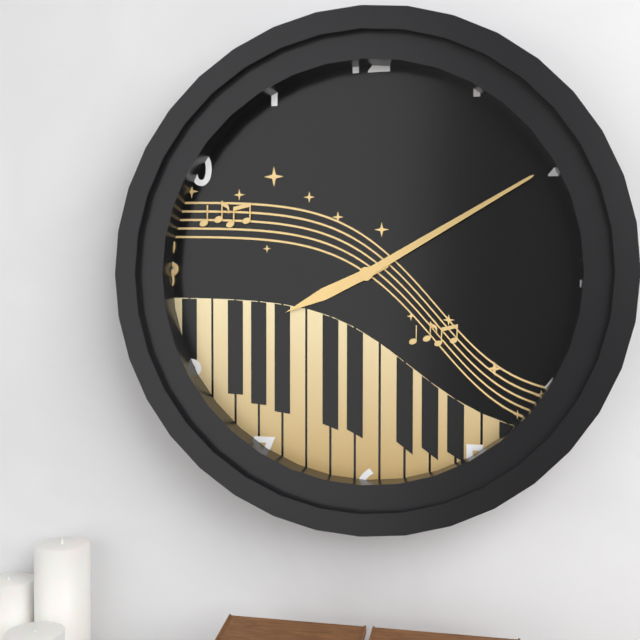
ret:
8:10
